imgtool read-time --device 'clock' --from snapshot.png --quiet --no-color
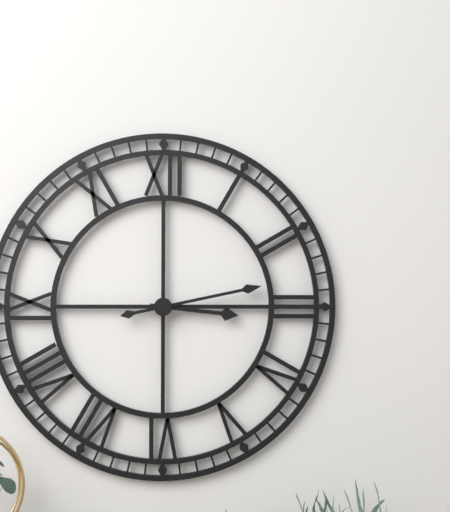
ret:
3:13
